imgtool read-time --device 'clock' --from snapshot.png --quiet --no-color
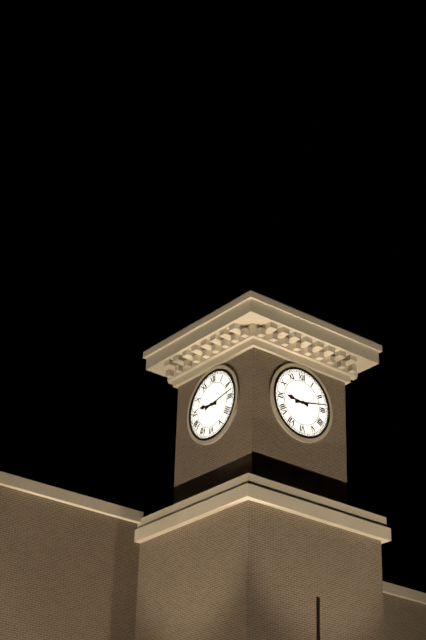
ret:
9:13
